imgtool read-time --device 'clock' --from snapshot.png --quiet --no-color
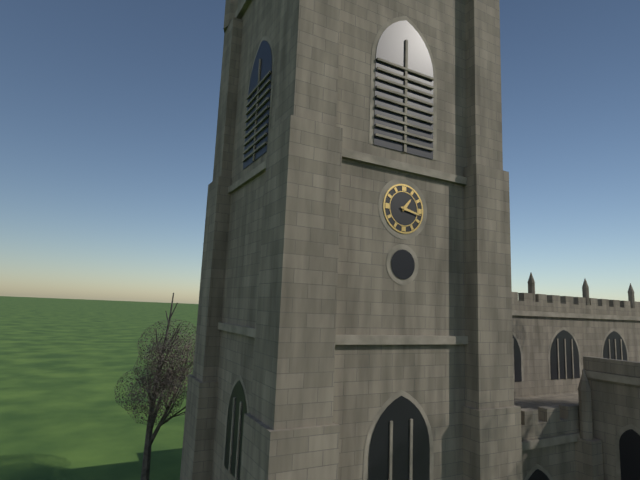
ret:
1:17
